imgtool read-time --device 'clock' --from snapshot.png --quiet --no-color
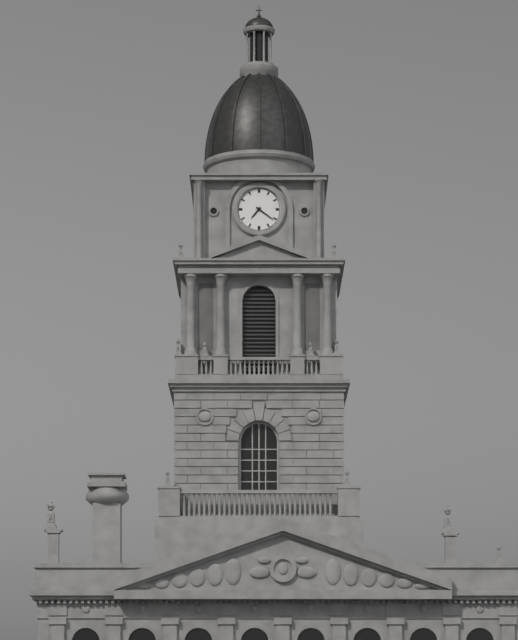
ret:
7:21
